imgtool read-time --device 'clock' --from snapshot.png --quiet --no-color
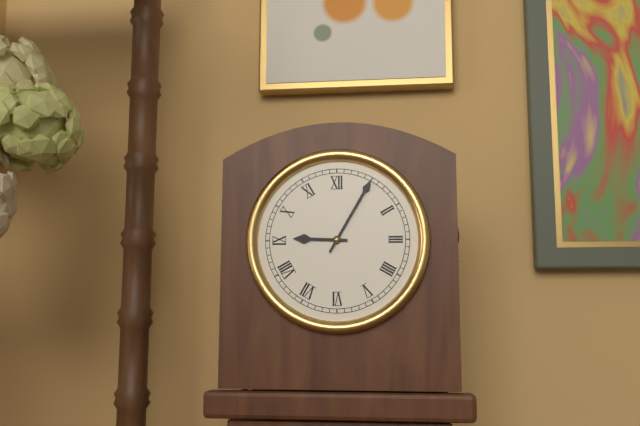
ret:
9:05
